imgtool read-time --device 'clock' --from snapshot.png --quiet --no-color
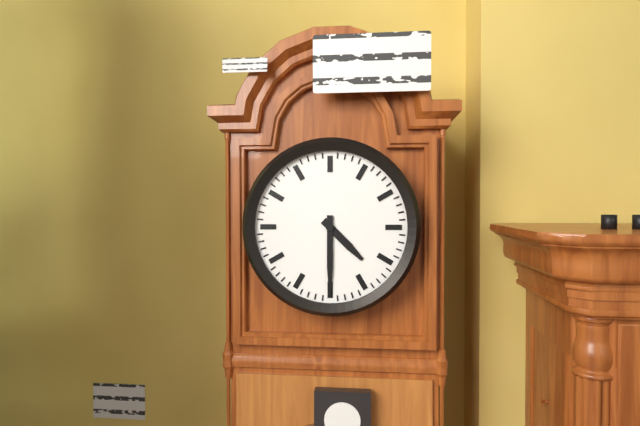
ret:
4:30
